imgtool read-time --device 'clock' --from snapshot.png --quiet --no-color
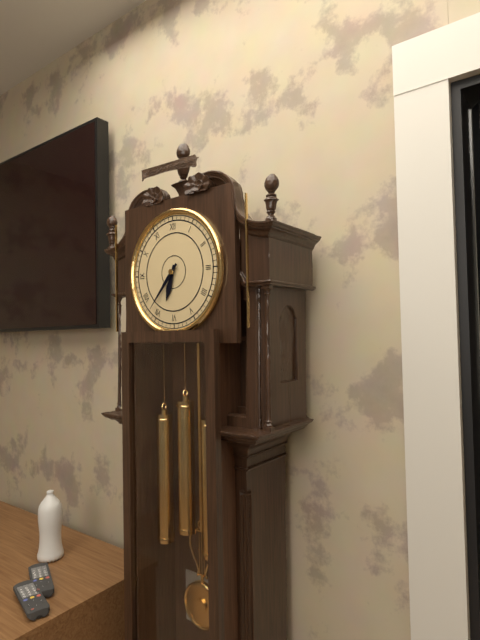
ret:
6:37
